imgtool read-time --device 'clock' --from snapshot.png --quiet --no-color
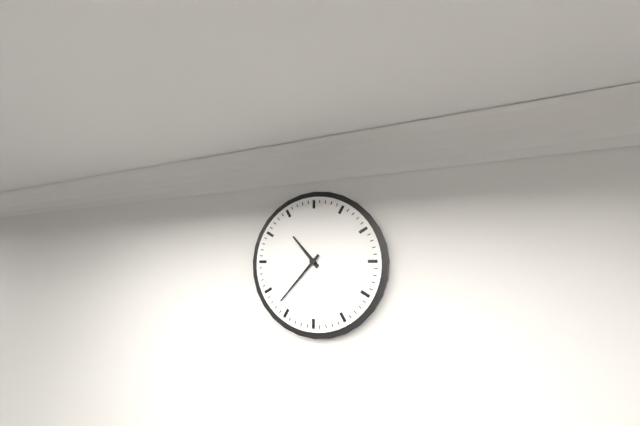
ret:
10:37
